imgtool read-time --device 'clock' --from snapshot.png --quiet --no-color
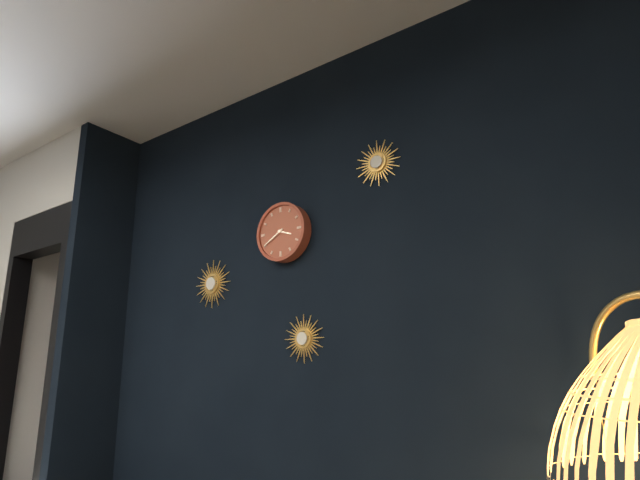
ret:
3:40
